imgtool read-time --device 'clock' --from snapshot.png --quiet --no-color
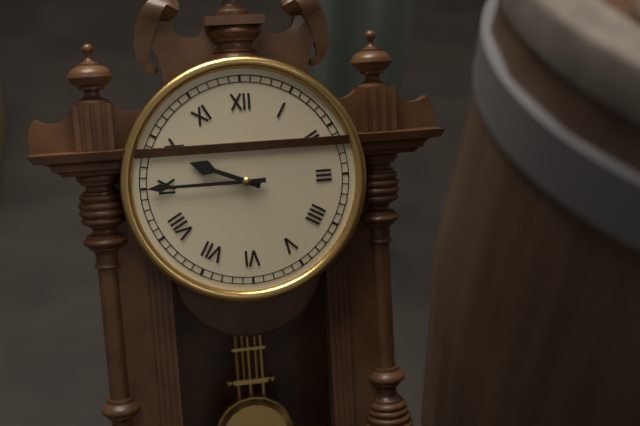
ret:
9:45
